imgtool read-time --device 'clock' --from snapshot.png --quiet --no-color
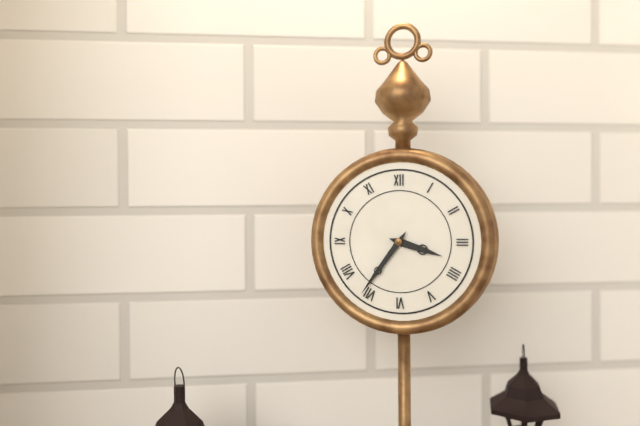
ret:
3:36
